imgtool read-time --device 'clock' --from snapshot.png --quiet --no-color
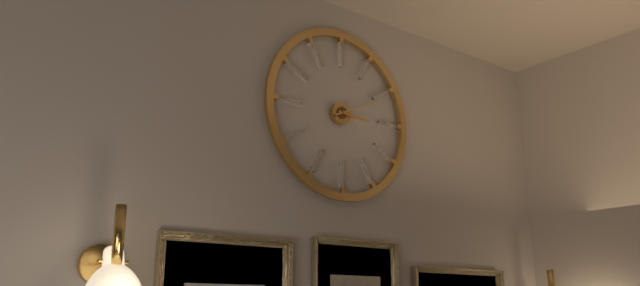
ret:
3:11
